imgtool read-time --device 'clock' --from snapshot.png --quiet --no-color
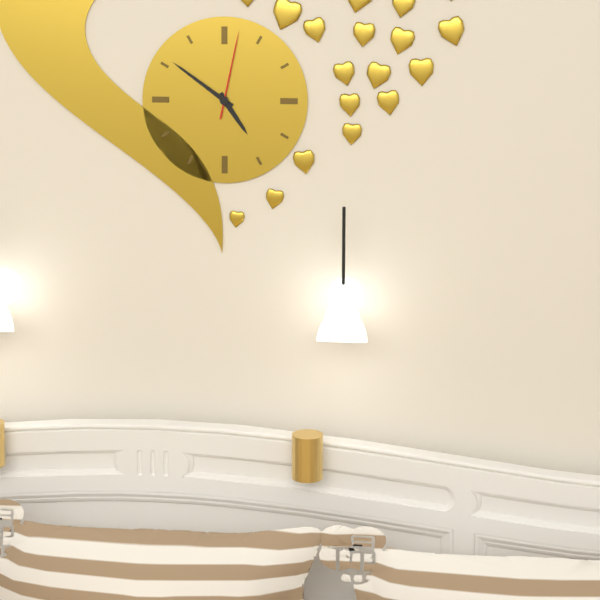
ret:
4:51:02
